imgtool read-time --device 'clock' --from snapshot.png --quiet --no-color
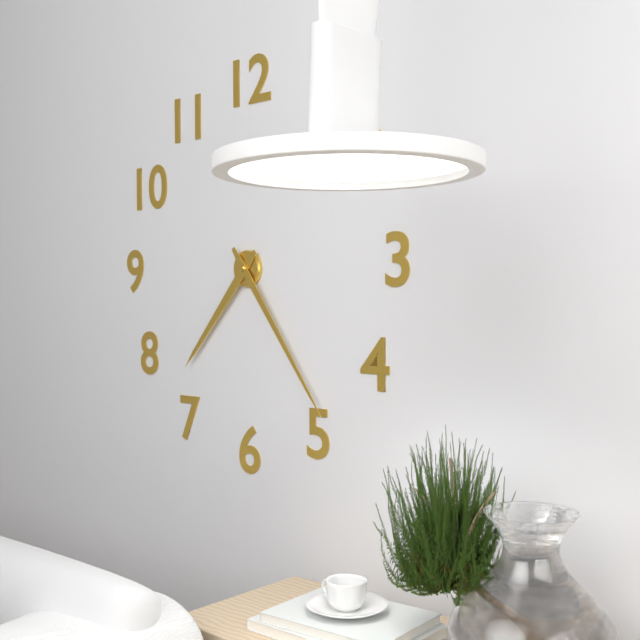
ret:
7:24
